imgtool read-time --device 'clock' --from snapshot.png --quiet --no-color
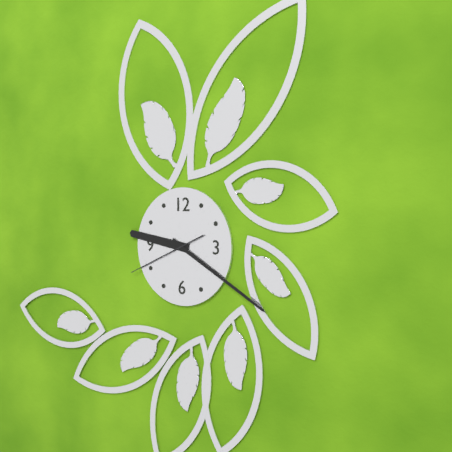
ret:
9:20:41
